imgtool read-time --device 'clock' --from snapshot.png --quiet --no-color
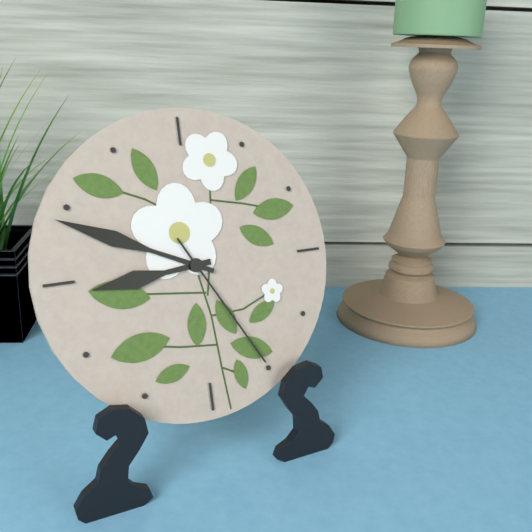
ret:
8:49:25
